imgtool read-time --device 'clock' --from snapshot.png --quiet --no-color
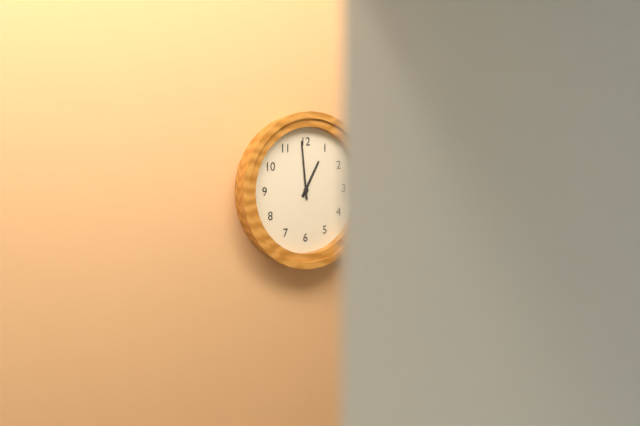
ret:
12:59
